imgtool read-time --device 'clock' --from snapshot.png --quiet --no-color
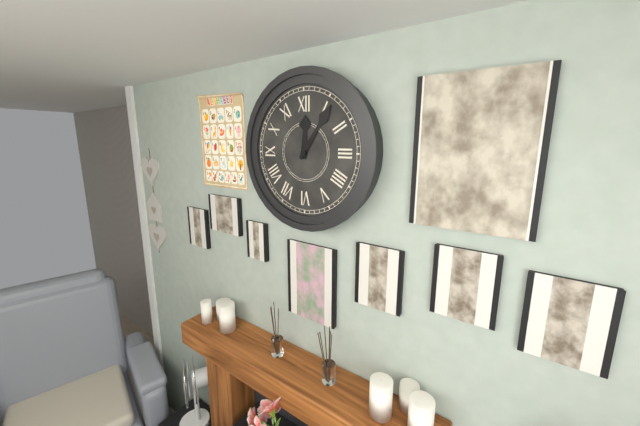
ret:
12:06
